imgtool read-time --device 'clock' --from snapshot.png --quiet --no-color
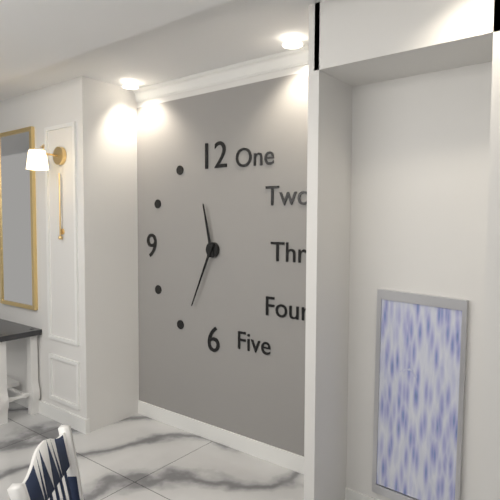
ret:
11:34
